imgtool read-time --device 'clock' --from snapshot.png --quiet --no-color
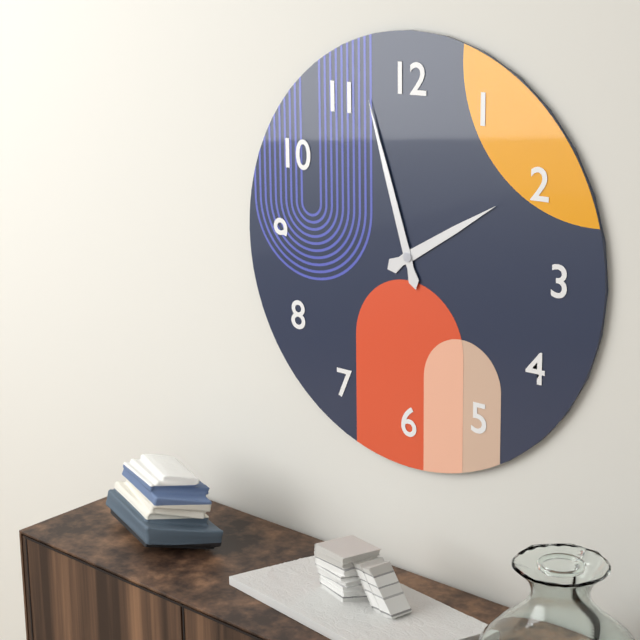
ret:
1:57
